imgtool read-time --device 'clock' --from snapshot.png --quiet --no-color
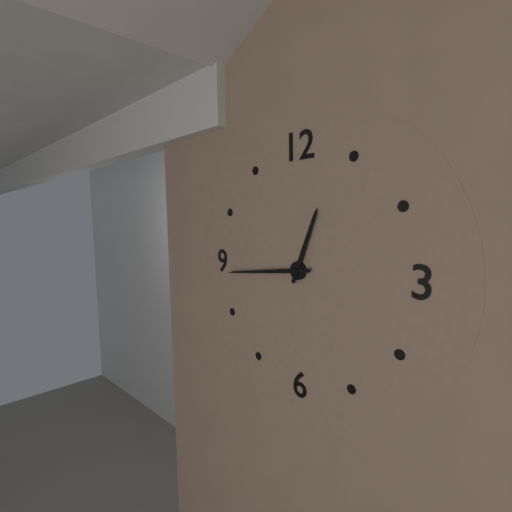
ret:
12:44
